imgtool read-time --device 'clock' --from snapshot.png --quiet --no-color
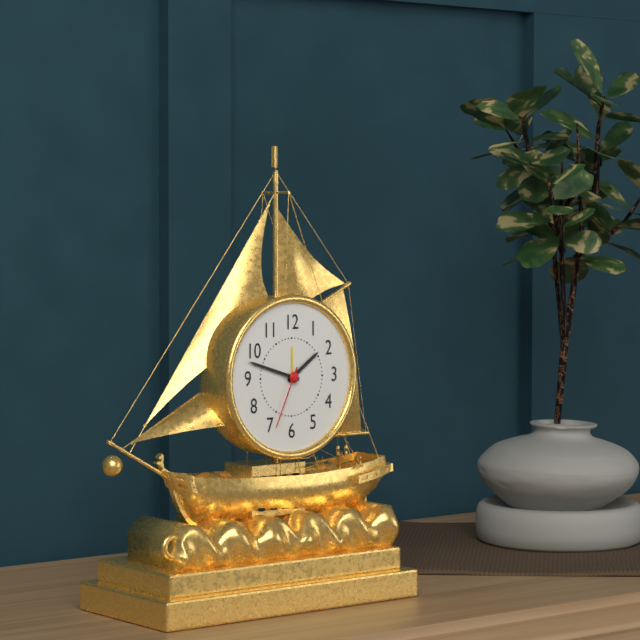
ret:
1:48:34
